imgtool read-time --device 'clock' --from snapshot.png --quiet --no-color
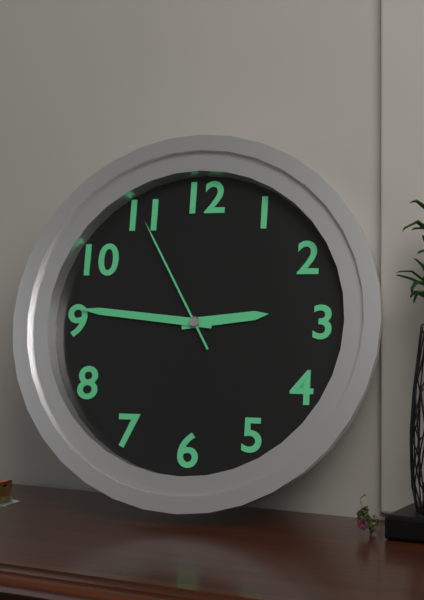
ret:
2:46:55
